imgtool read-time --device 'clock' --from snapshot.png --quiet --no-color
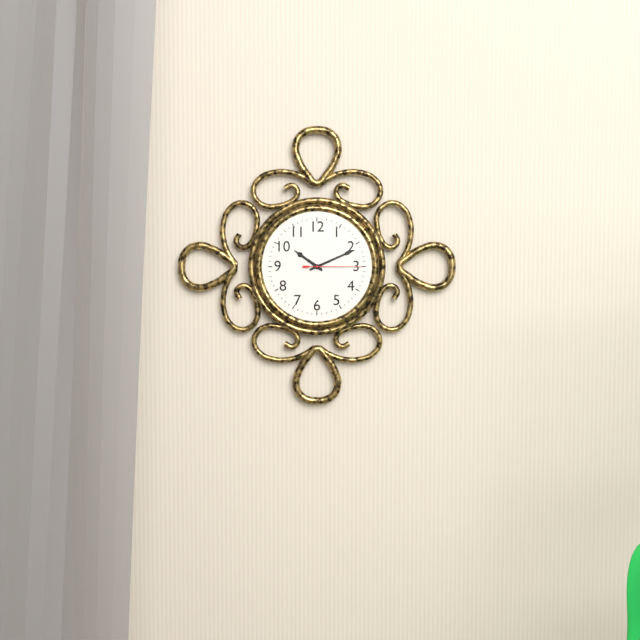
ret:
10:11:15
